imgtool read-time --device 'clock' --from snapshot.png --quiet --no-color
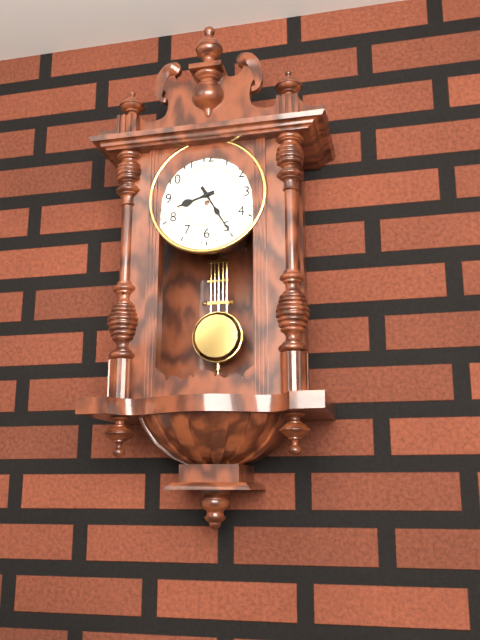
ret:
8:25
